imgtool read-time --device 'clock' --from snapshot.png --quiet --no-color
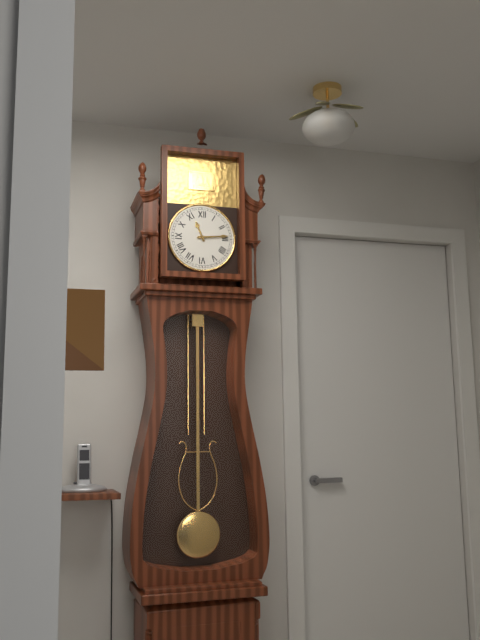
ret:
11:14
